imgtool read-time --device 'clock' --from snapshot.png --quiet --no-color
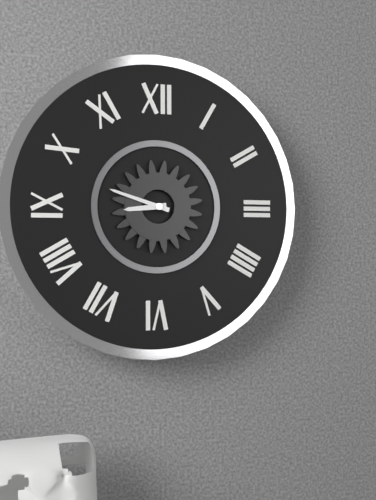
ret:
8:48
